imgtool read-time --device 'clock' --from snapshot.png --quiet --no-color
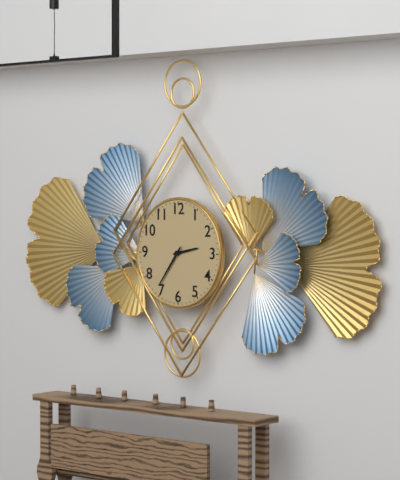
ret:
2:36
